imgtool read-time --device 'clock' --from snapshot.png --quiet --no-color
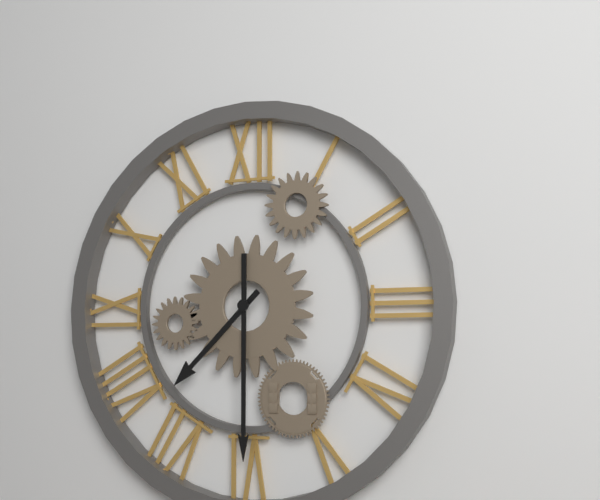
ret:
7:30
